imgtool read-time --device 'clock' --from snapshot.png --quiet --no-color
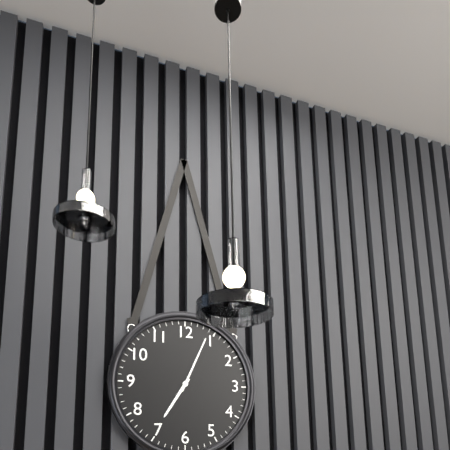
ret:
7:04
